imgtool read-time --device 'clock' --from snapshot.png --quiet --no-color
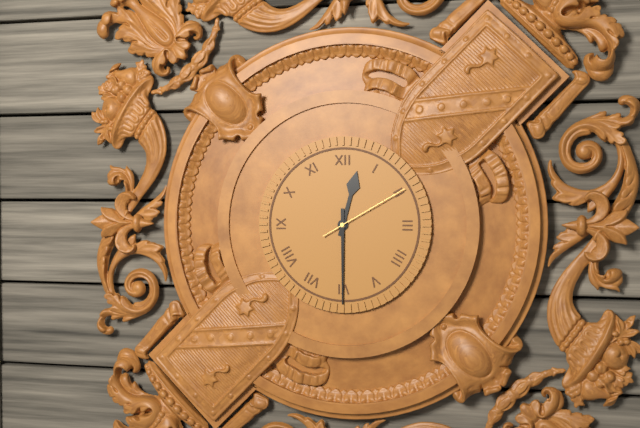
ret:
12:30:10
